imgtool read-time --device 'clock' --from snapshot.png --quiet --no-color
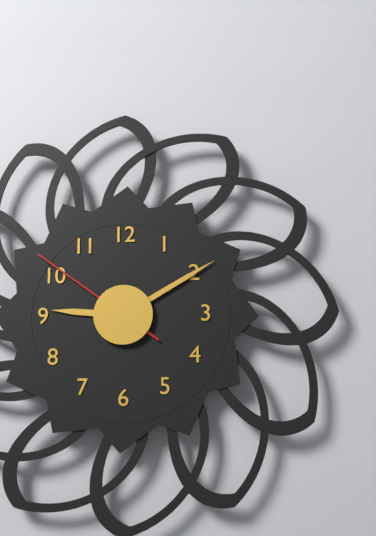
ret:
9:10:51
